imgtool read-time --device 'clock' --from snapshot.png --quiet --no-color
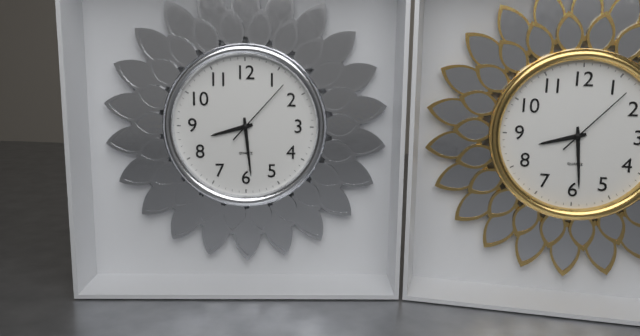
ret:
8:29:07
